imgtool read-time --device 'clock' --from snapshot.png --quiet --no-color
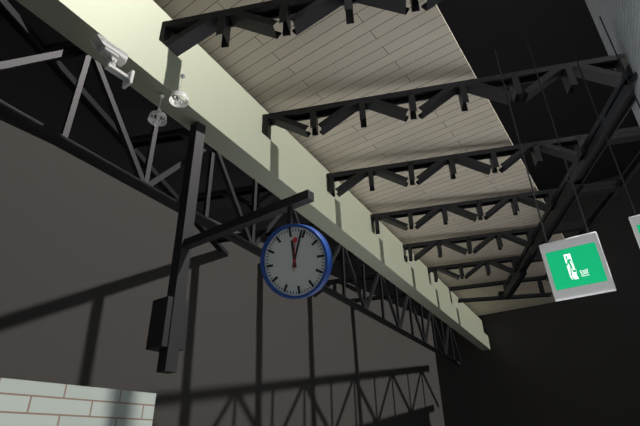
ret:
12:04
